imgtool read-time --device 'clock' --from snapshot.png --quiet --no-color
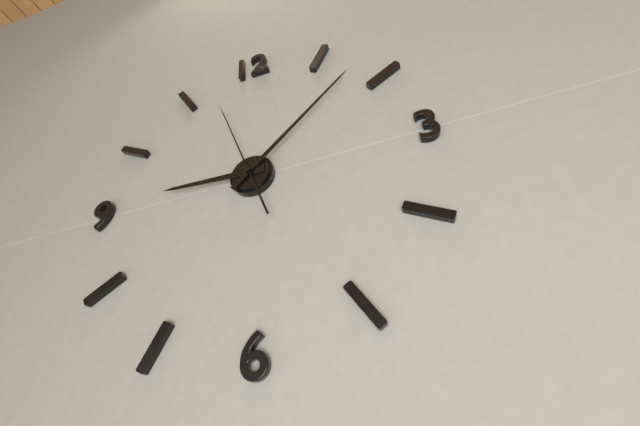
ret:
9:08:57
